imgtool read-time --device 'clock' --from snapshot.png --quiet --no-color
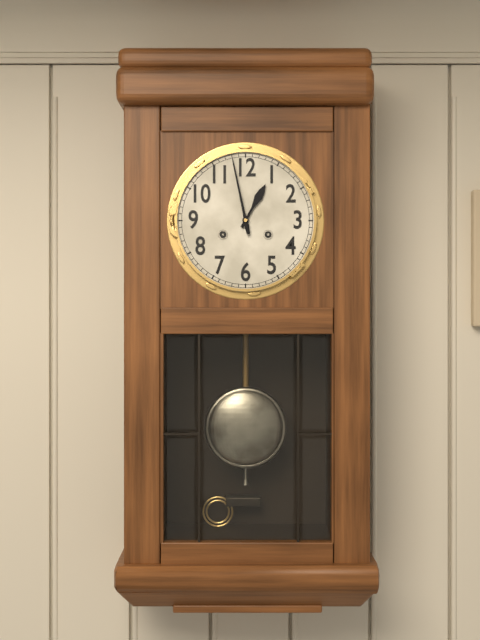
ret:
12:58
